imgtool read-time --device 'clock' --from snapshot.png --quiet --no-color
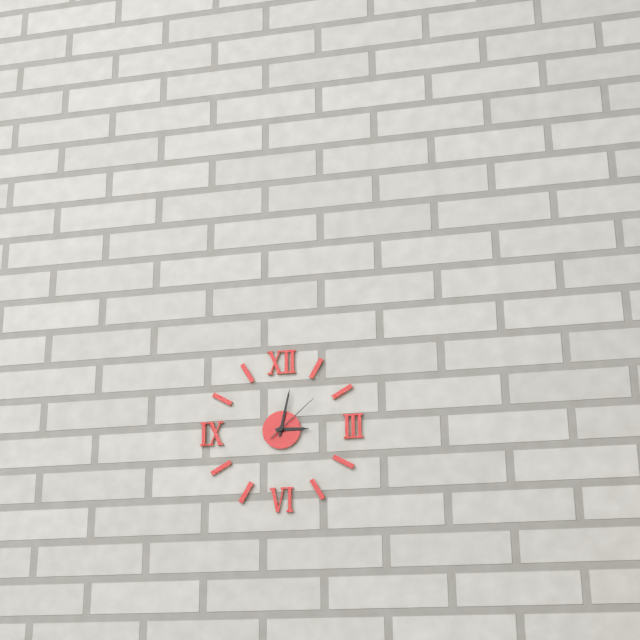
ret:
3:02:08
